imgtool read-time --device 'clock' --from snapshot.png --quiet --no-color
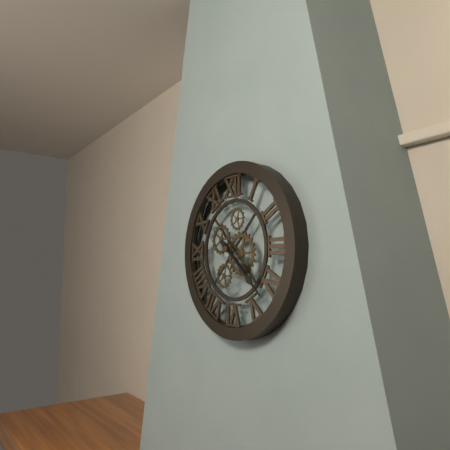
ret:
4:22
